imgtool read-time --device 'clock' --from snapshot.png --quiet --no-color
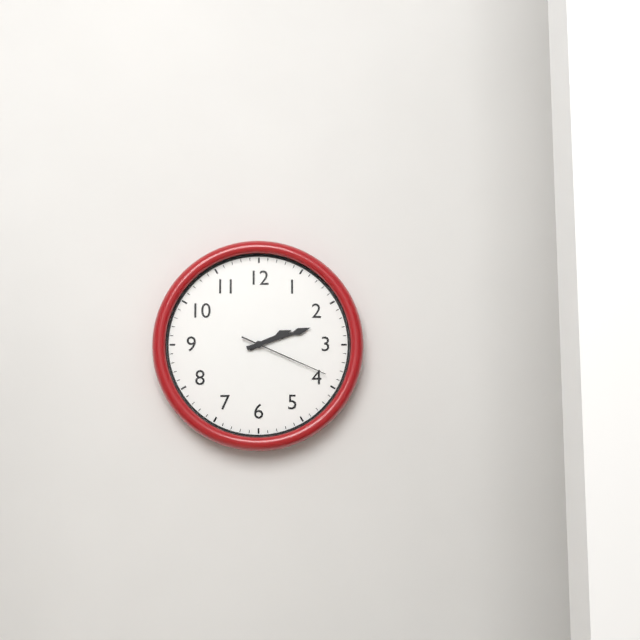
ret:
2:12:19
